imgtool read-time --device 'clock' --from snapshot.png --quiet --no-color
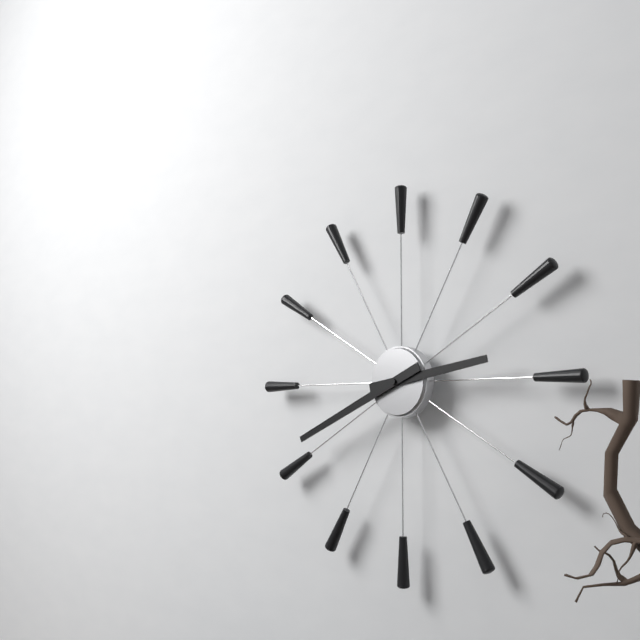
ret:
2:41
